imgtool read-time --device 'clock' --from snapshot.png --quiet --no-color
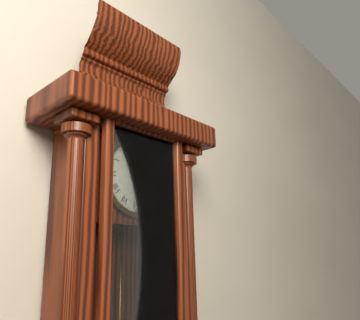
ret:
2:18
